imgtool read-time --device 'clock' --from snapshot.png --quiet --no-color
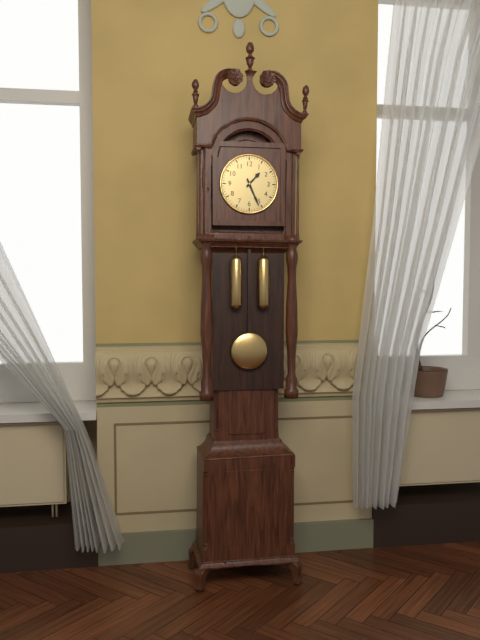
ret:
1:26
